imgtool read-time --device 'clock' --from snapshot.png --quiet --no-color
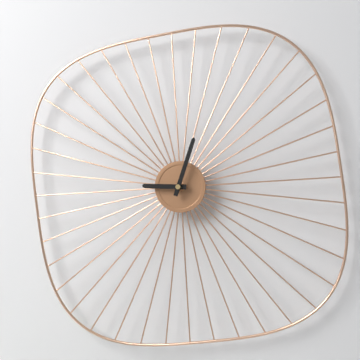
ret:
9:03
